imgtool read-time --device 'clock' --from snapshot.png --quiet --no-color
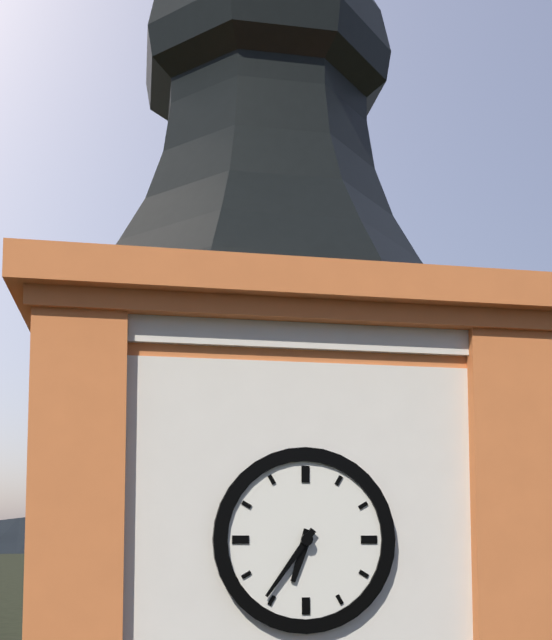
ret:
6:36
